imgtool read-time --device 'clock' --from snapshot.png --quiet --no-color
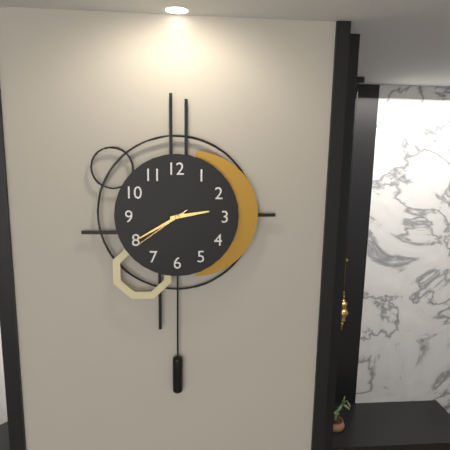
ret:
2:40:39
